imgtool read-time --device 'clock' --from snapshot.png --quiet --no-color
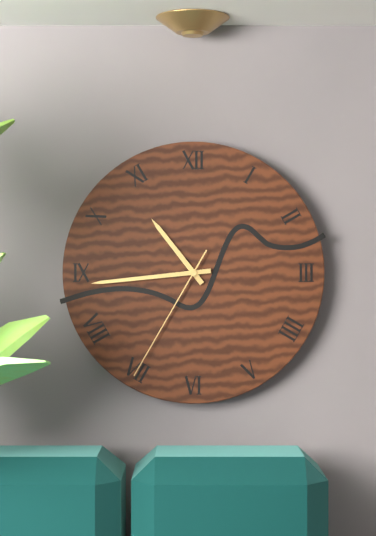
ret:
10:44:35
